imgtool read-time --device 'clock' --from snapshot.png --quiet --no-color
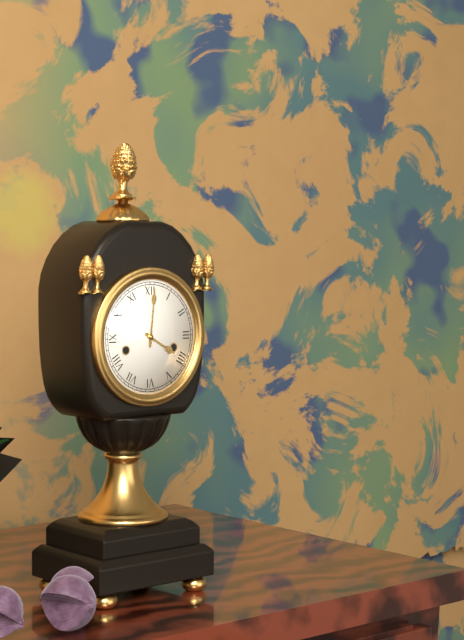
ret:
4:01
